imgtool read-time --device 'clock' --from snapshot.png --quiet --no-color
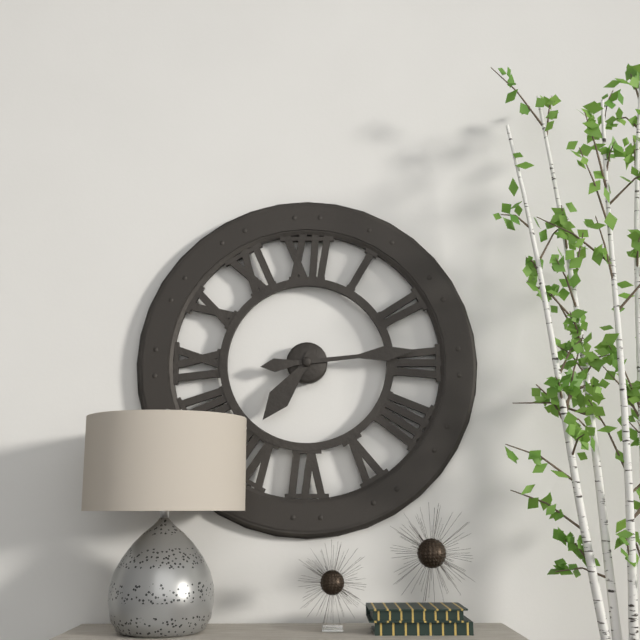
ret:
7:14
